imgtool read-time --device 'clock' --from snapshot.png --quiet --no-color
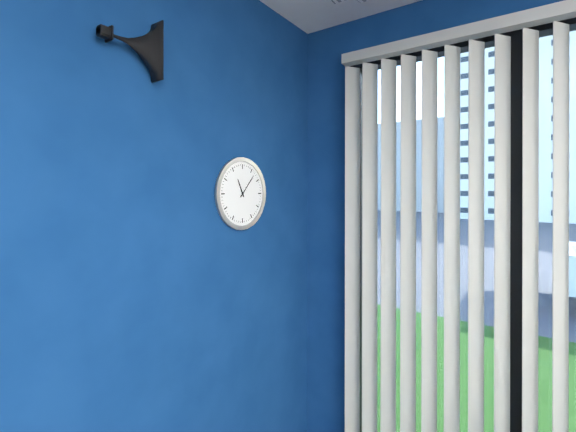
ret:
11:07
